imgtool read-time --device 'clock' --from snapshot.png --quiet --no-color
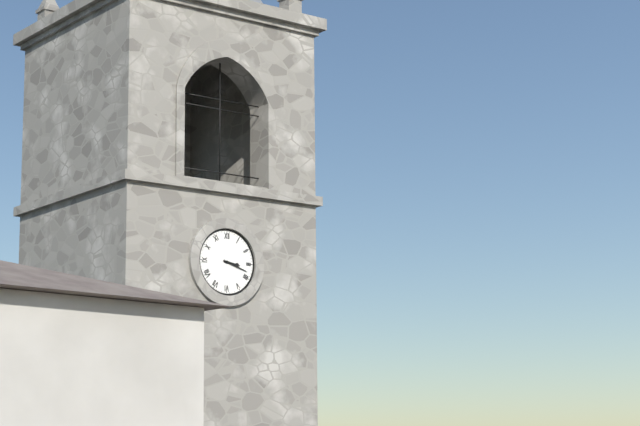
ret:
3:18
